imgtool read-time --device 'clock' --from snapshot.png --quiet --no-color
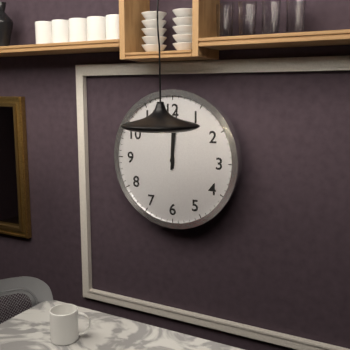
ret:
12:01
